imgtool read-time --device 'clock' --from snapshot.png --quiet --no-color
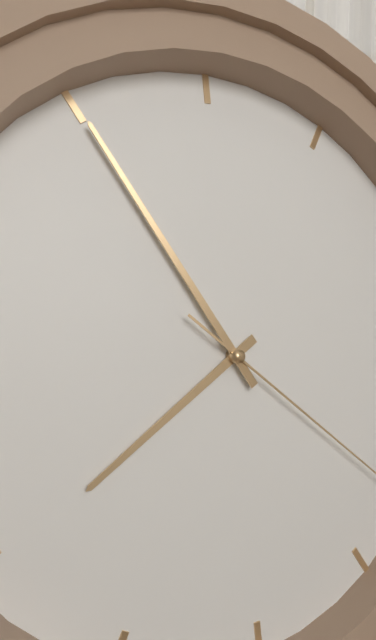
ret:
7:55
